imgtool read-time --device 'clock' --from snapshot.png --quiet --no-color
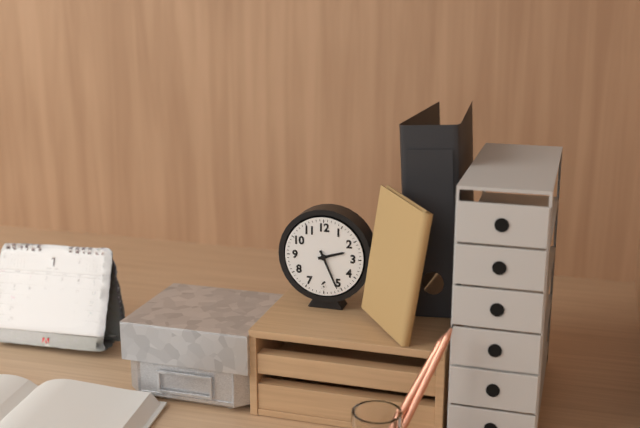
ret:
2:26
